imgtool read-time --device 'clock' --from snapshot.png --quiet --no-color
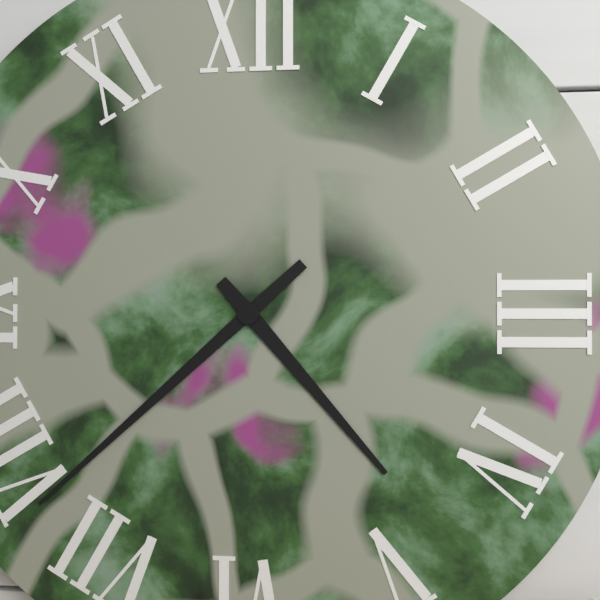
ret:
4:38
